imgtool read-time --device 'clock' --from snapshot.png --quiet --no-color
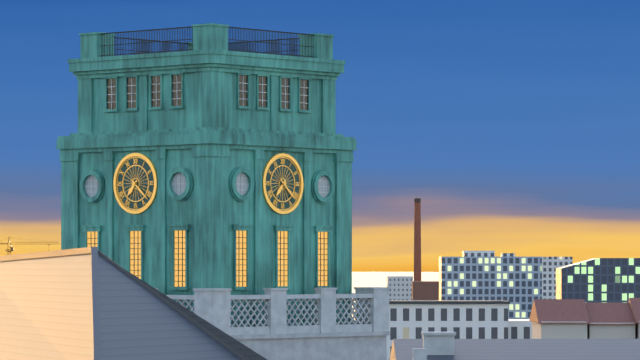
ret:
7:22
